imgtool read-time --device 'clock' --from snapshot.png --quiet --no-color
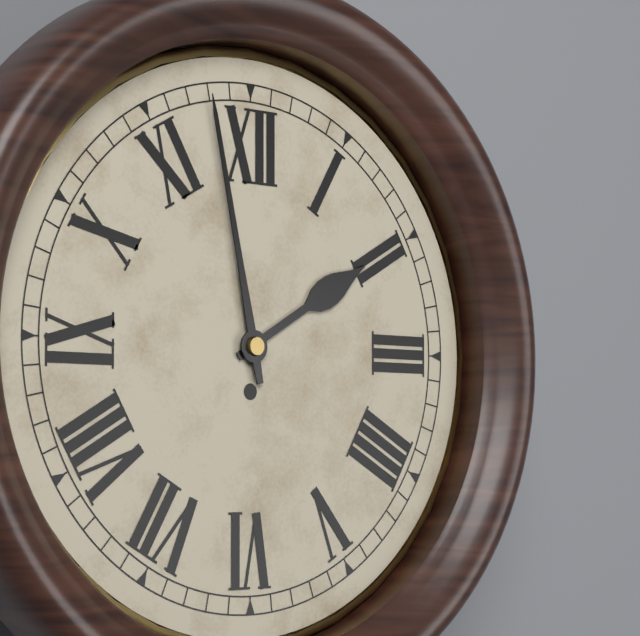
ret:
1:58
